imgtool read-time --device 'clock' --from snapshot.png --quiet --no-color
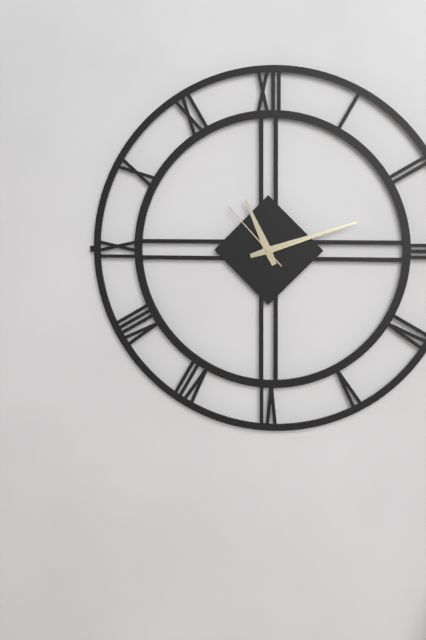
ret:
11:12:53
